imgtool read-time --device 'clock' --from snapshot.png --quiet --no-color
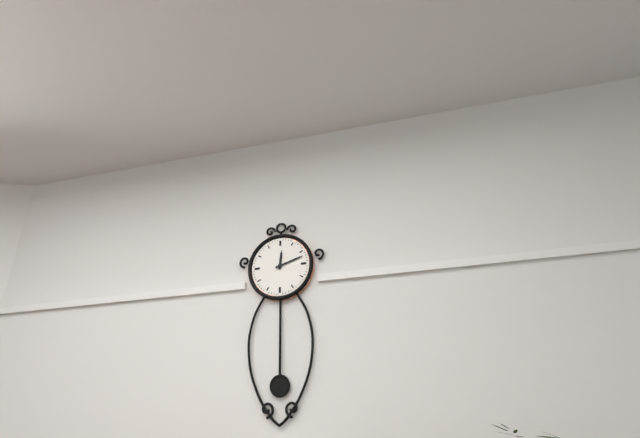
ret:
12:12
